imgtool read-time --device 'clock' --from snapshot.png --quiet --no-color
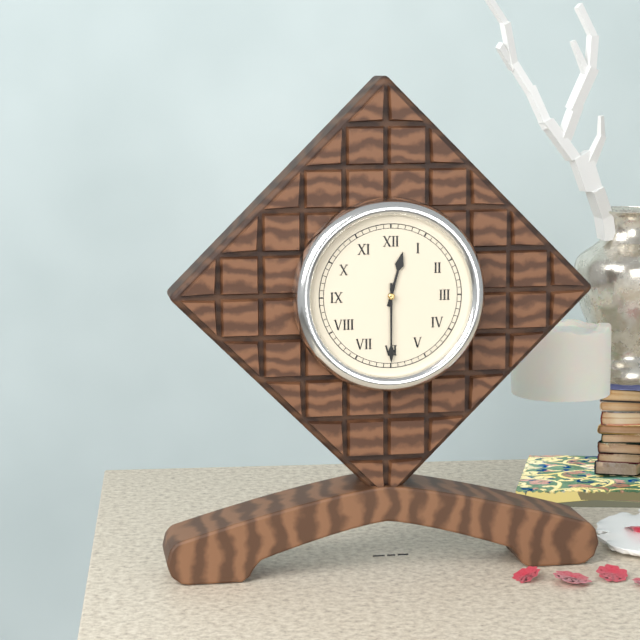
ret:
12:30
